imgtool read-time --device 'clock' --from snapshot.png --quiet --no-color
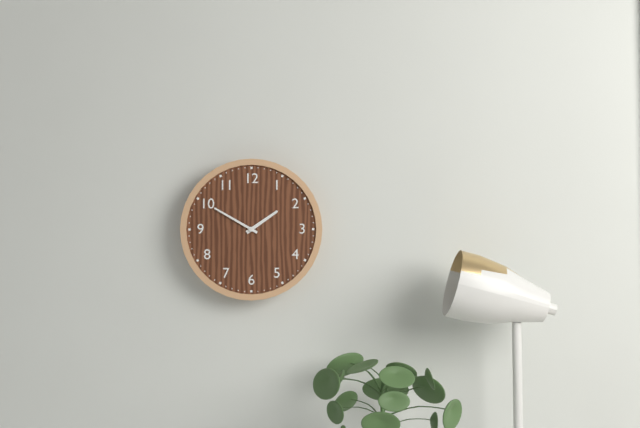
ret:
1:50
